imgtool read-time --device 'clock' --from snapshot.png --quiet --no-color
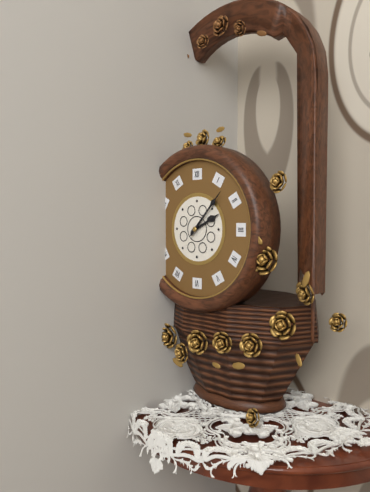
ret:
2:07
